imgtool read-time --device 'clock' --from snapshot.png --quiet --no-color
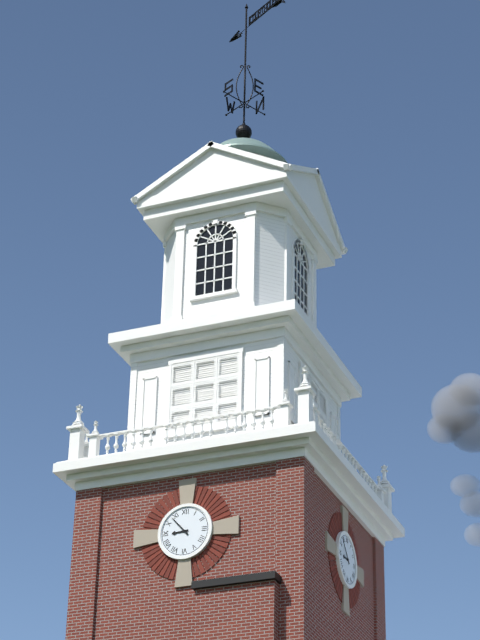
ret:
8:53
